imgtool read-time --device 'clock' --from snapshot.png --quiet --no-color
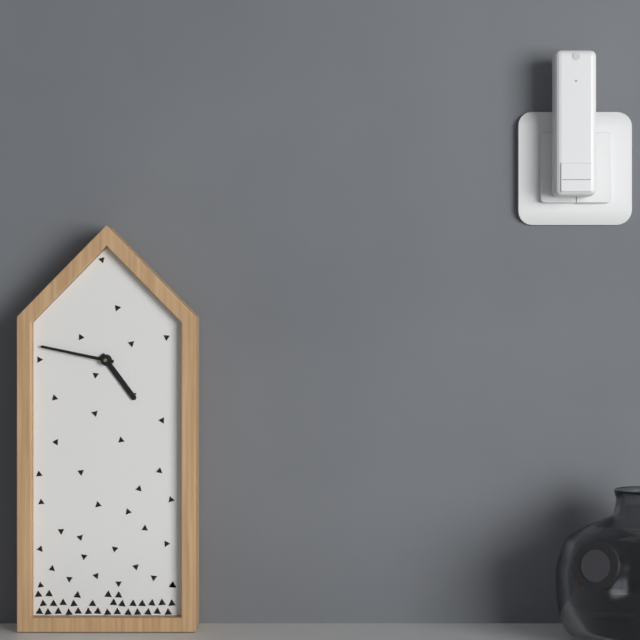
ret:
4:47
